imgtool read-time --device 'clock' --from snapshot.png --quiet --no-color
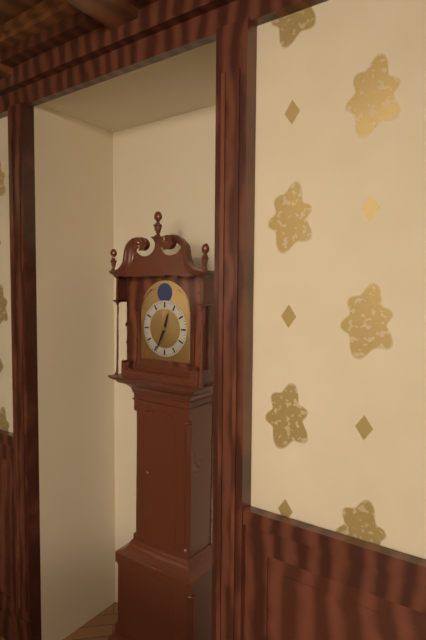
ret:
12:34
